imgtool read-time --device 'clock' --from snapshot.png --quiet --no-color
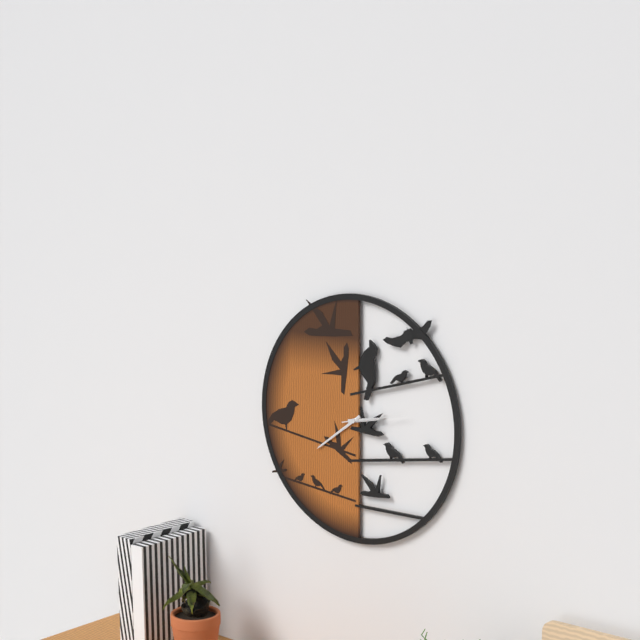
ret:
2:39:13
